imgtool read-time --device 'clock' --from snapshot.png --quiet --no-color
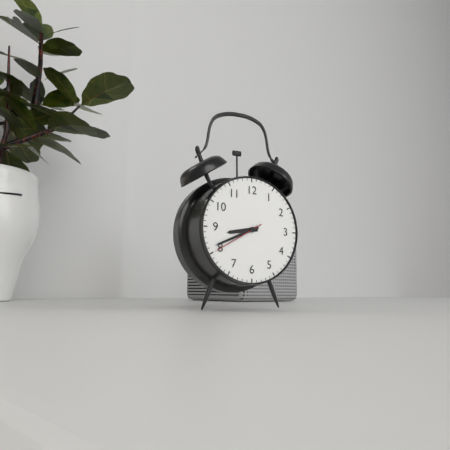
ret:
8:41:40
